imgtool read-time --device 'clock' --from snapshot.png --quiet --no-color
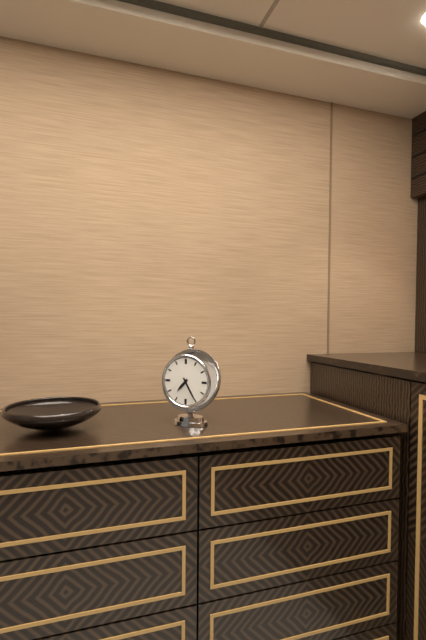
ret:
7:25
